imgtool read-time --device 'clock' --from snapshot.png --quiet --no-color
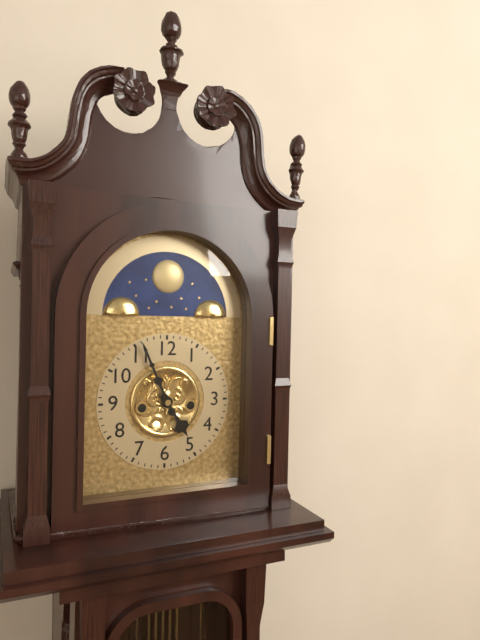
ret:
4:56
